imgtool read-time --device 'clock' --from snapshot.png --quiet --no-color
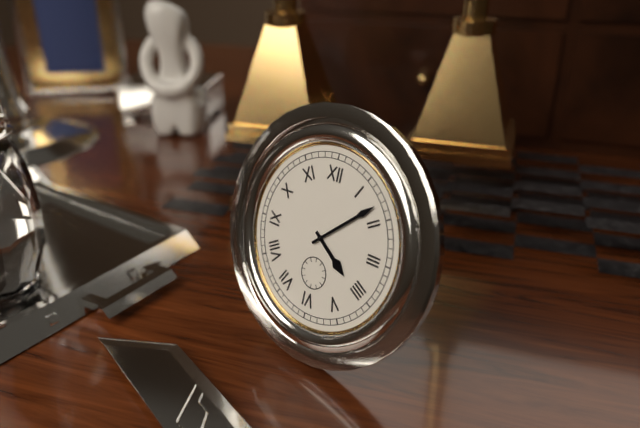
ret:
4:08
